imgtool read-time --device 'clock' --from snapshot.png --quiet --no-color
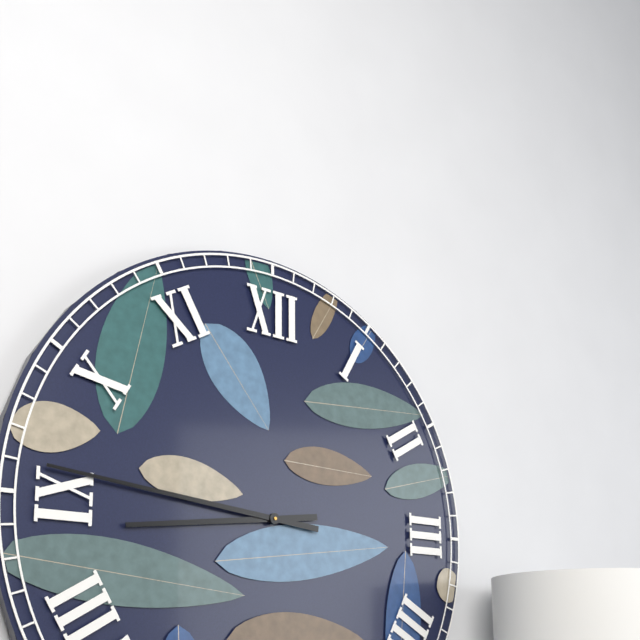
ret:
8:46
